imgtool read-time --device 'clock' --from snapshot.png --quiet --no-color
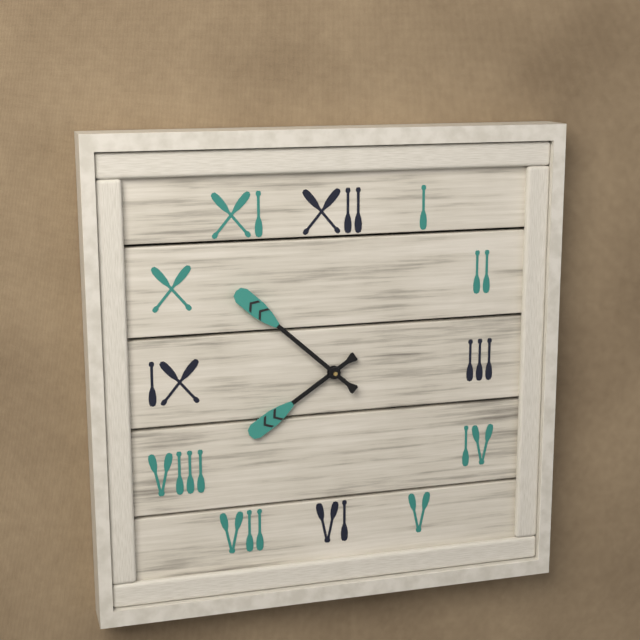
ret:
7:52
